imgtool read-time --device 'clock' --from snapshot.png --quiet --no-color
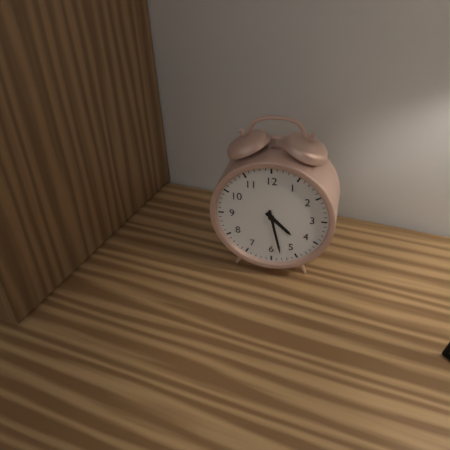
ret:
4:28
